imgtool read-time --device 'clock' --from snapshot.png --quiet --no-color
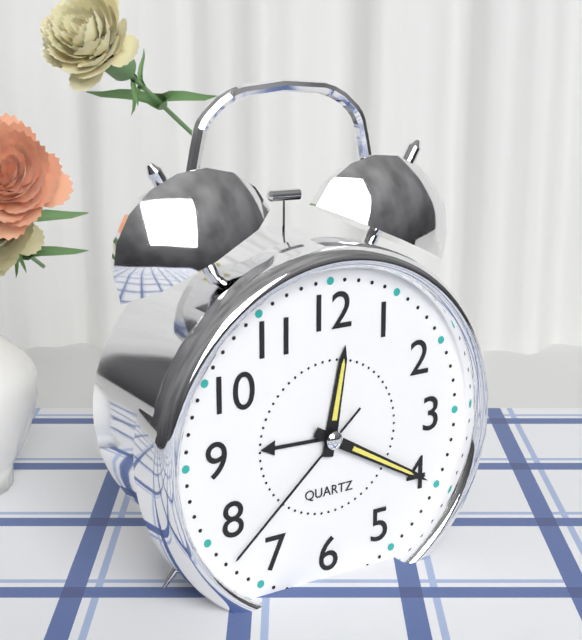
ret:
12:20:38
